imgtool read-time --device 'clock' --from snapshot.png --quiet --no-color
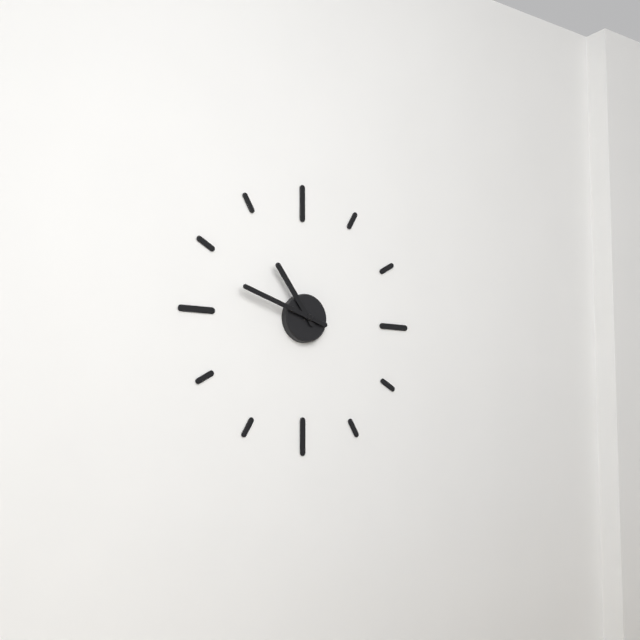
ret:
10:48
